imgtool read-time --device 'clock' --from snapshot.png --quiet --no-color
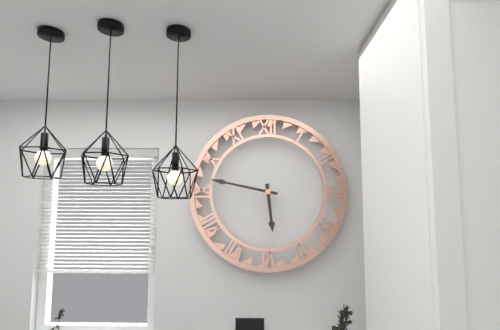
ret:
5:47
